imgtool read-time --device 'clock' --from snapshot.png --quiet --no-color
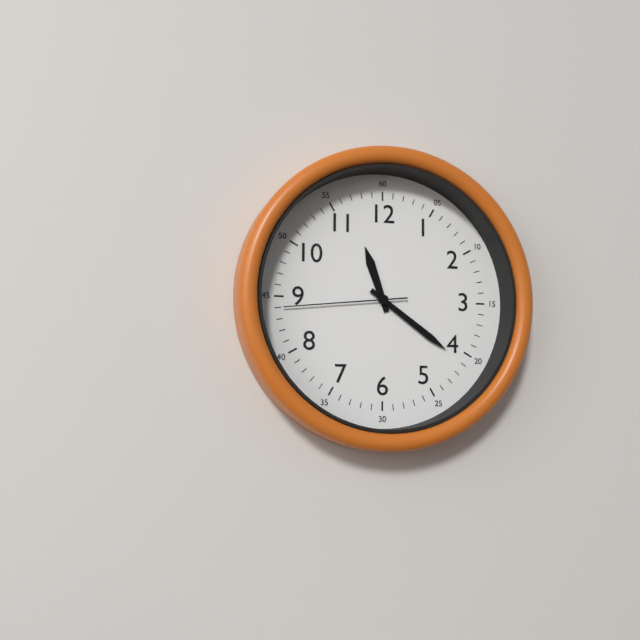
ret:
11:21:44
